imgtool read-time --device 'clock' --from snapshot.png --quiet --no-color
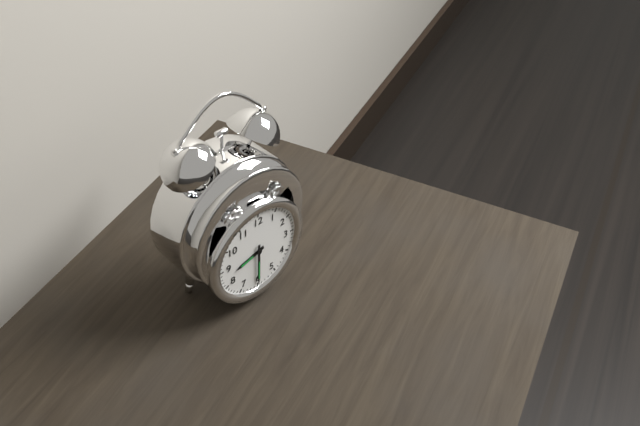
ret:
8:30
